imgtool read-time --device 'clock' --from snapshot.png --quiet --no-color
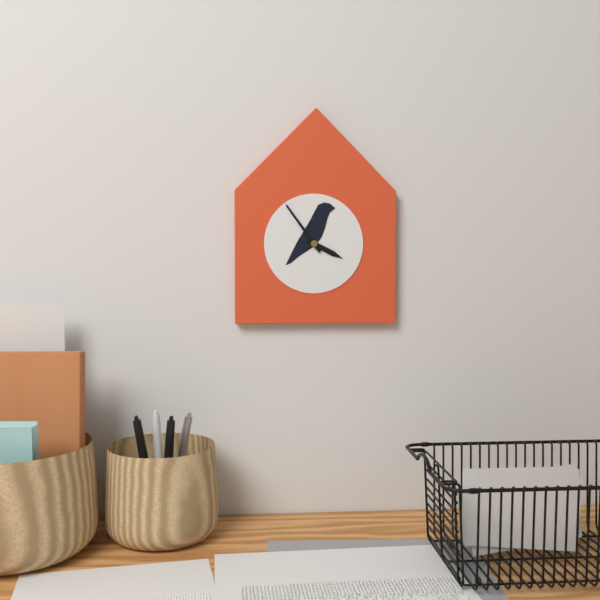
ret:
3:54
